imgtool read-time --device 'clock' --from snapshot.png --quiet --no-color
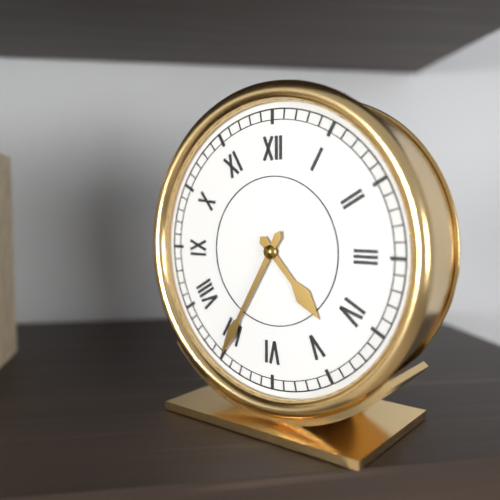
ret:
4:35
